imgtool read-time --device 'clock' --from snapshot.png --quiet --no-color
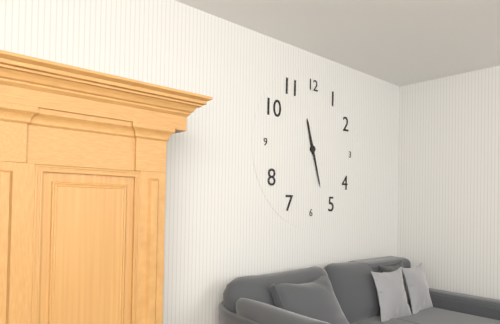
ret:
11:27
